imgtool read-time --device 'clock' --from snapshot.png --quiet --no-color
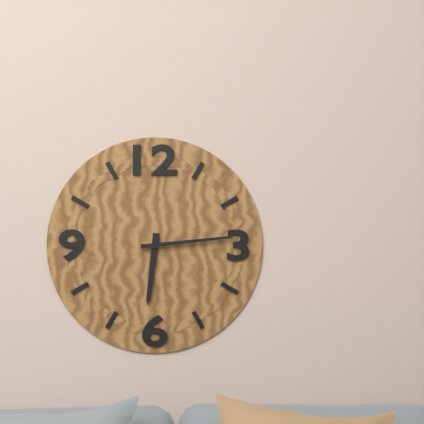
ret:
6:14
